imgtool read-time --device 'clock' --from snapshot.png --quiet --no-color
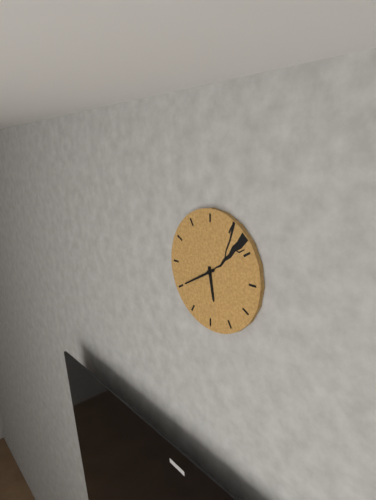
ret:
5:40
